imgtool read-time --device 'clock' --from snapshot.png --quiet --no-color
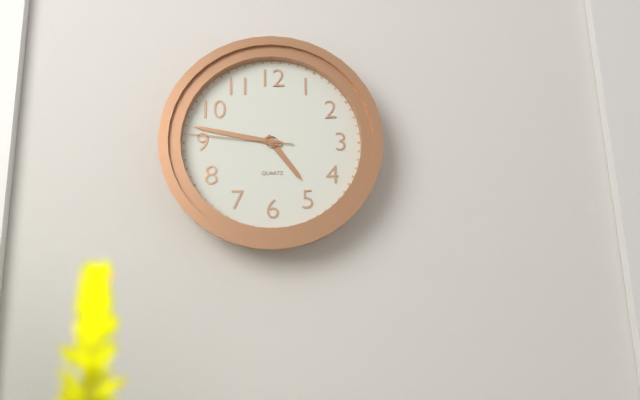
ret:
4:47:46
